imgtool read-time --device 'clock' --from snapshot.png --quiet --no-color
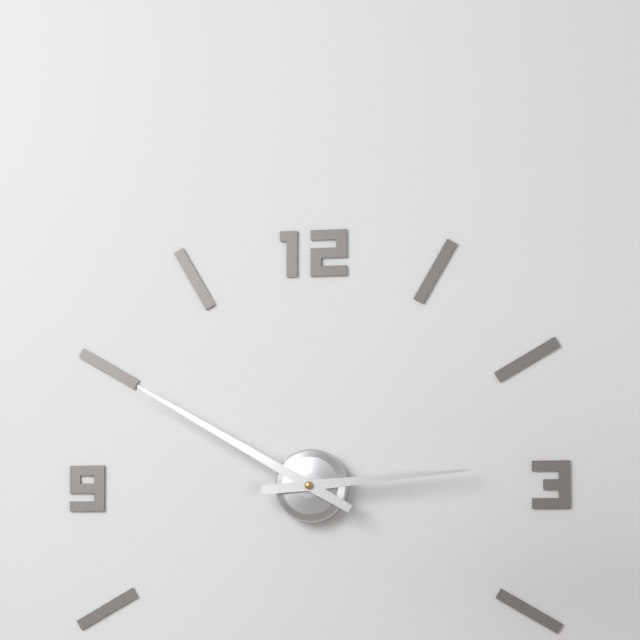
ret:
2:50
